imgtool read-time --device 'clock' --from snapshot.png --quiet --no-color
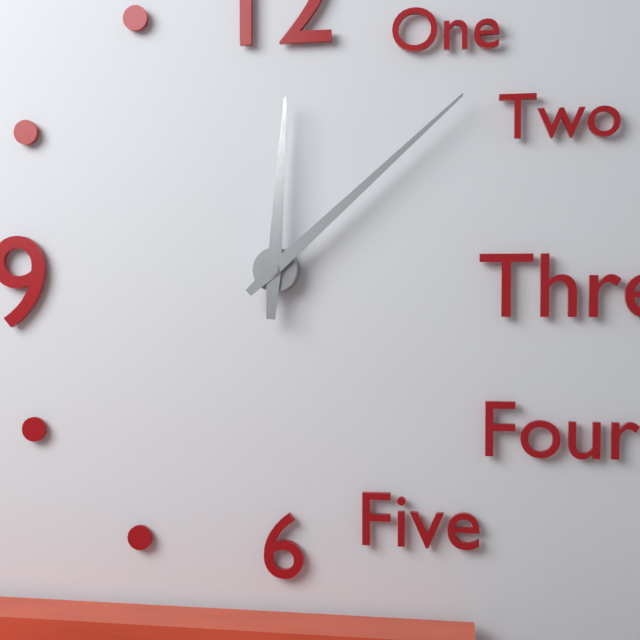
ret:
12:08
